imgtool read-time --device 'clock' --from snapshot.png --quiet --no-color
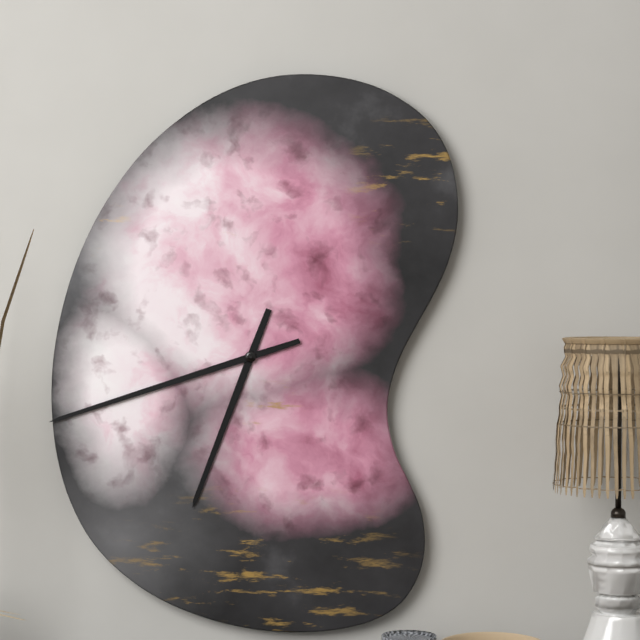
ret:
6:42
